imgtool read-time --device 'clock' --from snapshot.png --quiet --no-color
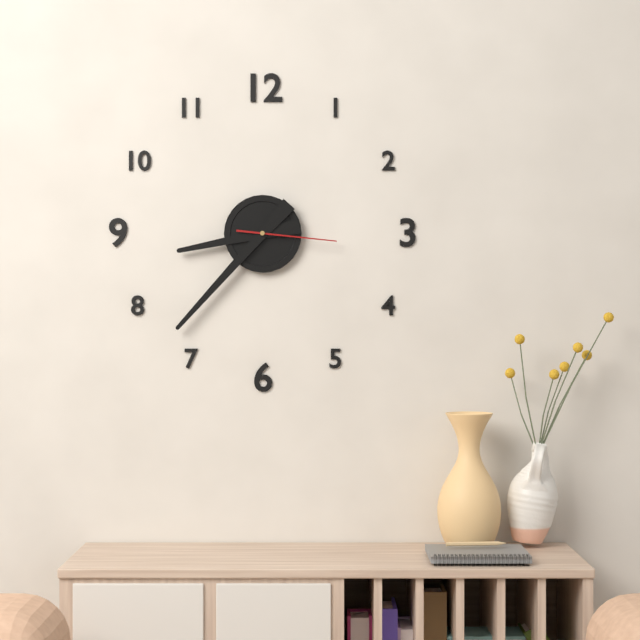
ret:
8:37:16
